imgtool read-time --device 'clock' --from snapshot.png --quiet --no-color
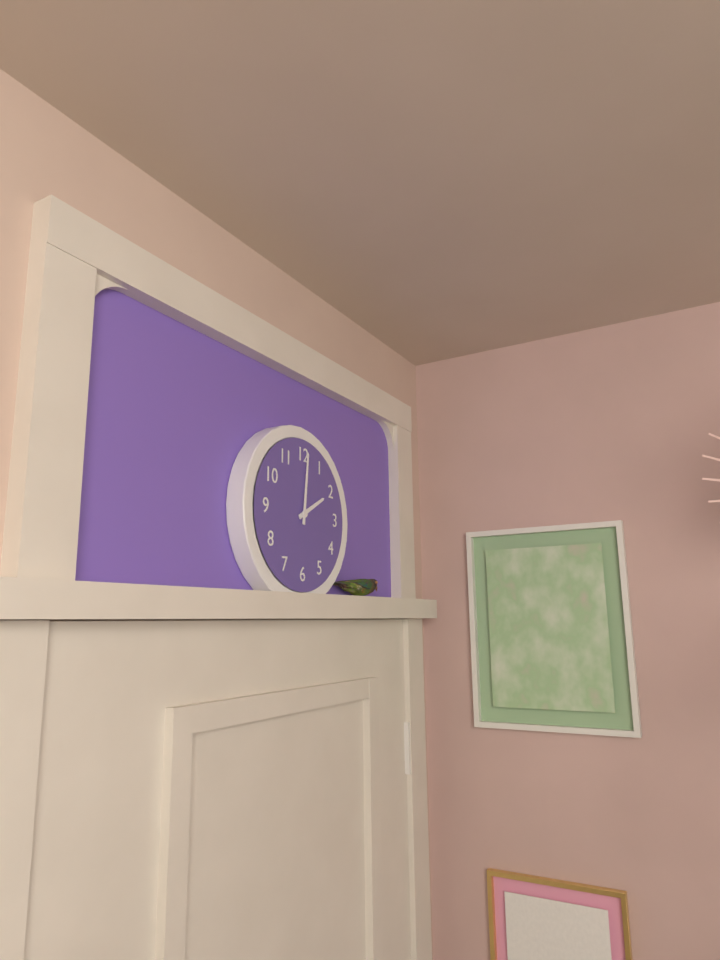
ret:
2:01
